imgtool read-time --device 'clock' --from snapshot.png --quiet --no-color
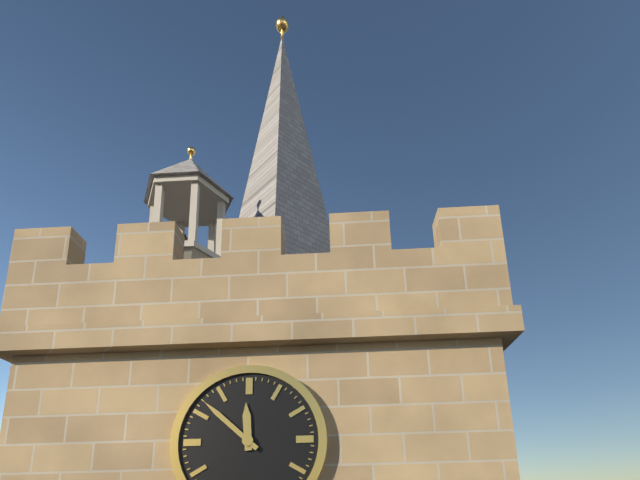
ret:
11:52
